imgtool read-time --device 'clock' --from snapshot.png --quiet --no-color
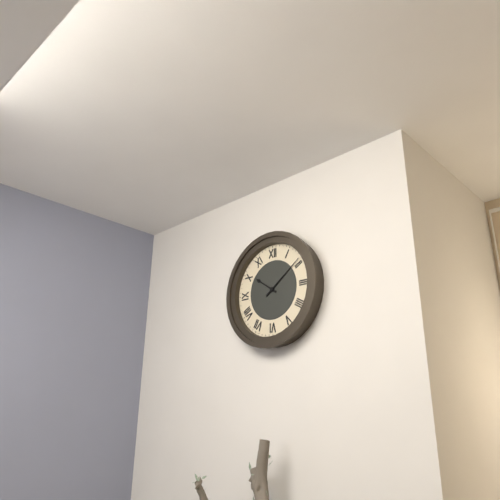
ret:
10:09
